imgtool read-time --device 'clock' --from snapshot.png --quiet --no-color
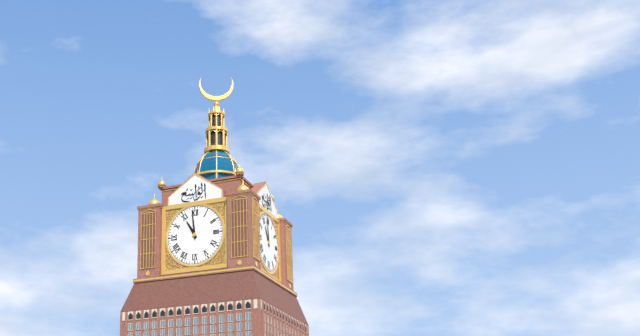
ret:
10:59
